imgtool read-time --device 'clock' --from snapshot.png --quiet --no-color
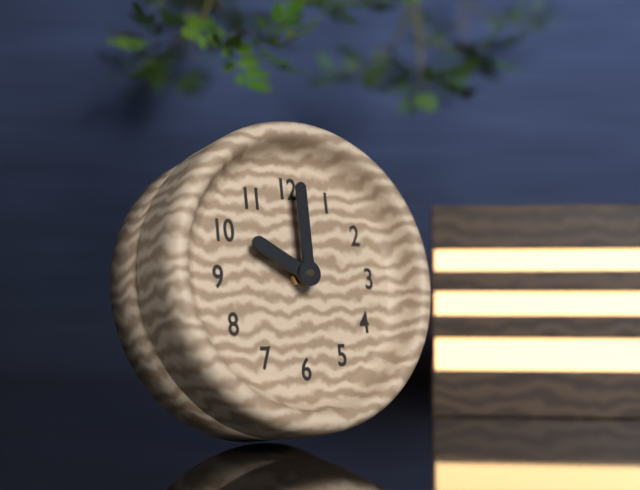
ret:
10:00
